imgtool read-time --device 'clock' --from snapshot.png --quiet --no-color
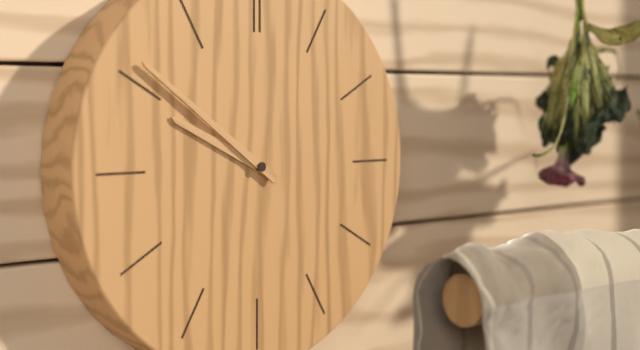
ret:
9:51
